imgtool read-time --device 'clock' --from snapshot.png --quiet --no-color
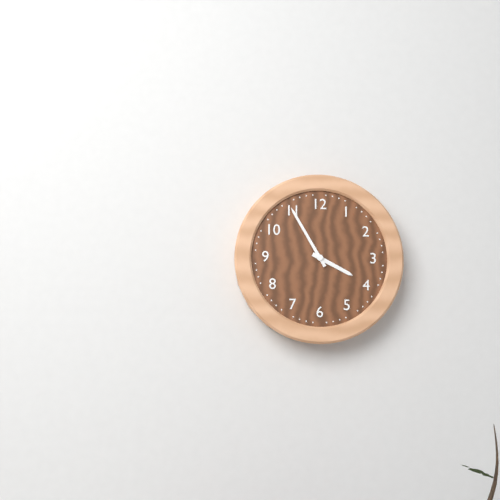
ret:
3:55
